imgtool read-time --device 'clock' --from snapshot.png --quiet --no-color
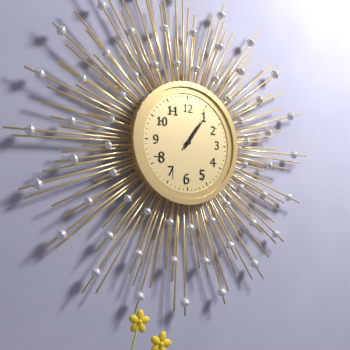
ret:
1:06
